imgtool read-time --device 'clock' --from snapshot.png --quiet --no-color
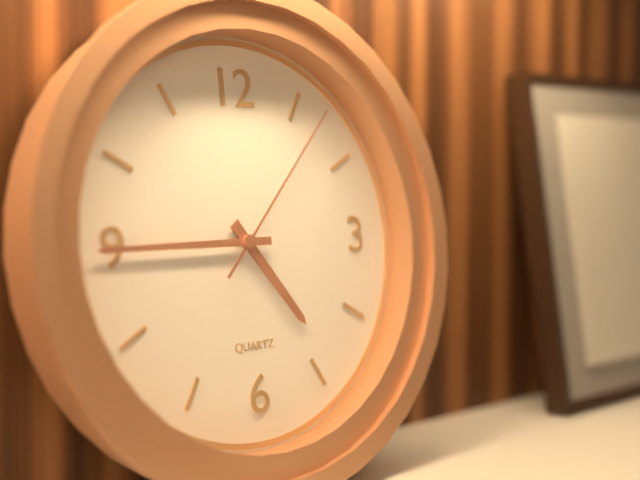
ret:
4:45:07
